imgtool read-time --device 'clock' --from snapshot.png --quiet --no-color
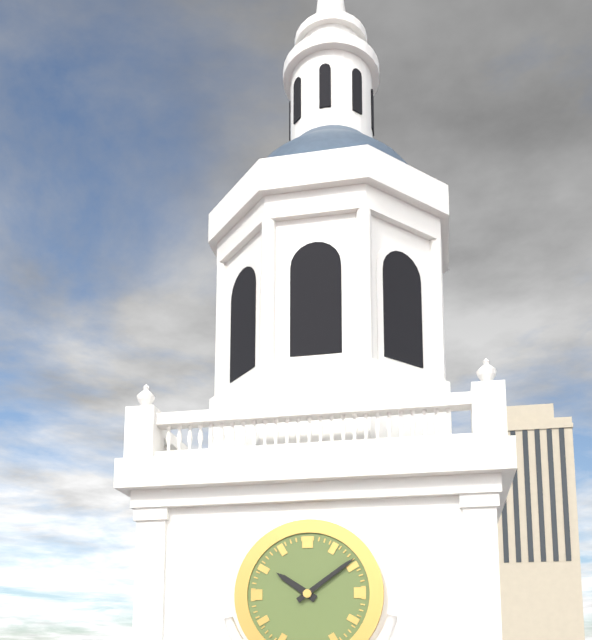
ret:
10:09
